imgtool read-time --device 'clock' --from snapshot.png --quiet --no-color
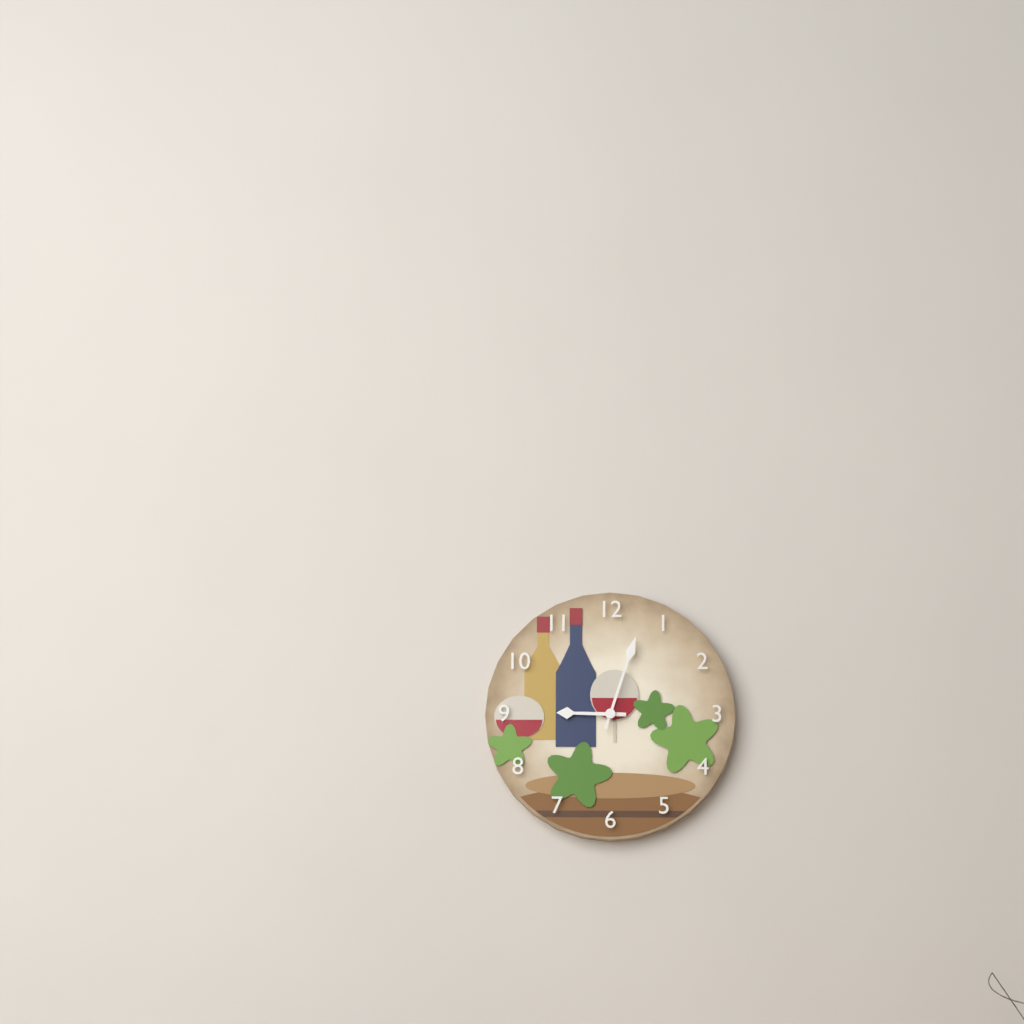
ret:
9:03
